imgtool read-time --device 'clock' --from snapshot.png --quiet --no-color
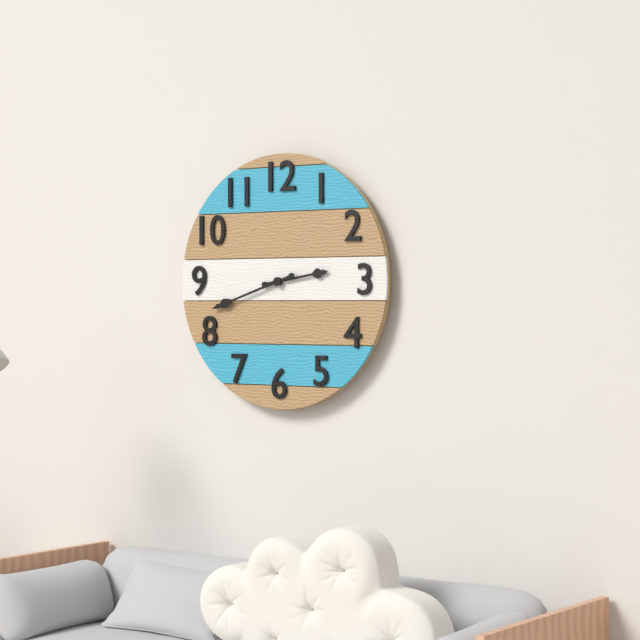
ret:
2:42
